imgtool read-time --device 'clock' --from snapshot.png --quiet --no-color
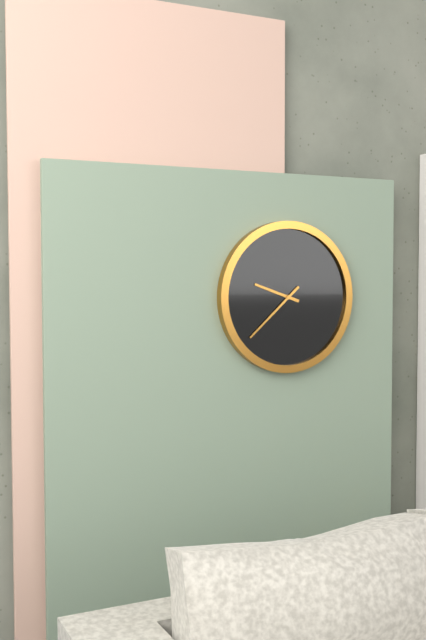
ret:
9:38
